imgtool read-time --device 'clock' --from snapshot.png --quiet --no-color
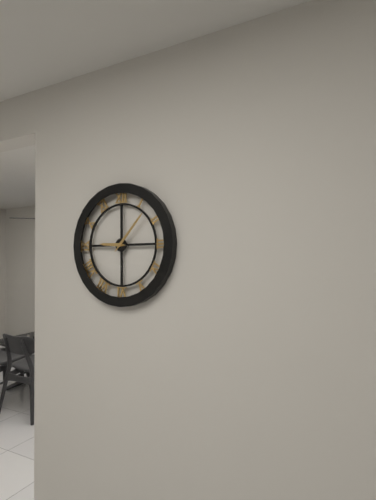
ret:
9:07
